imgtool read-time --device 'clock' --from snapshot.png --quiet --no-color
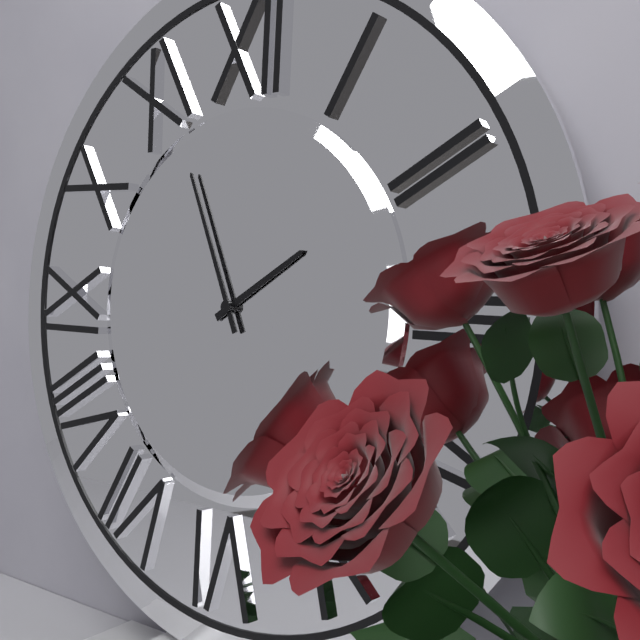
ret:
1:56
